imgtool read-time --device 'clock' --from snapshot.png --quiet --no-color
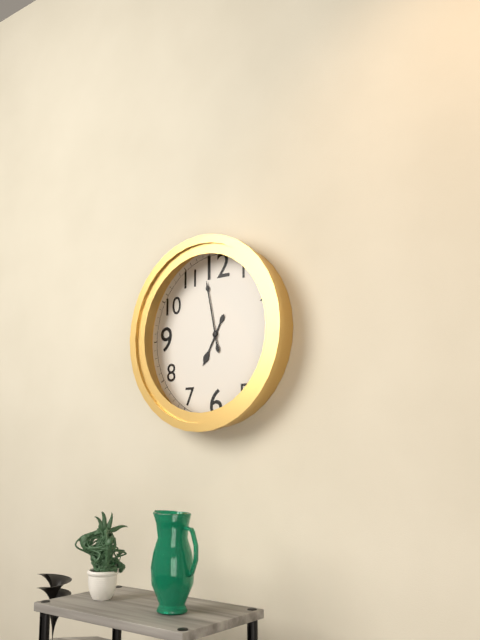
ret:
6:58
